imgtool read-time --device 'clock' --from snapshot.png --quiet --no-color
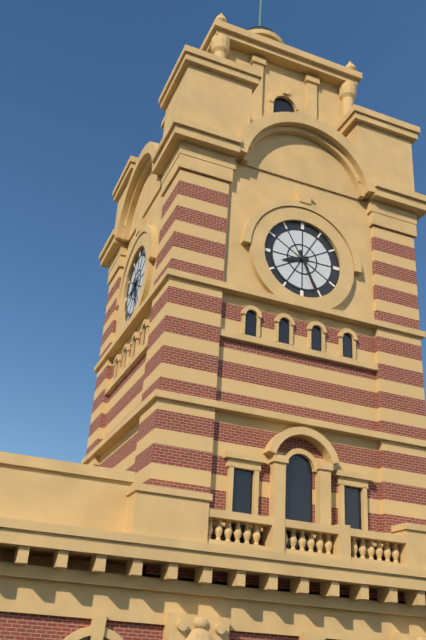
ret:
8:26
